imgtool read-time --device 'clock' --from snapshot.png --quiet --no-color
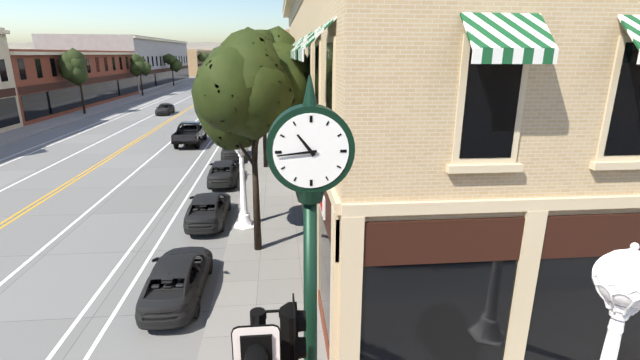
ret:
10:44
